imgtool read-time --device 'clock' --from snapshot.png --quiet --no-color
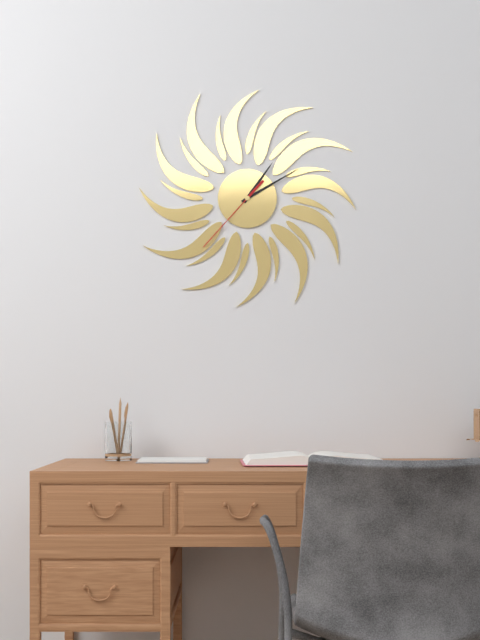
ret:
1:10:37
